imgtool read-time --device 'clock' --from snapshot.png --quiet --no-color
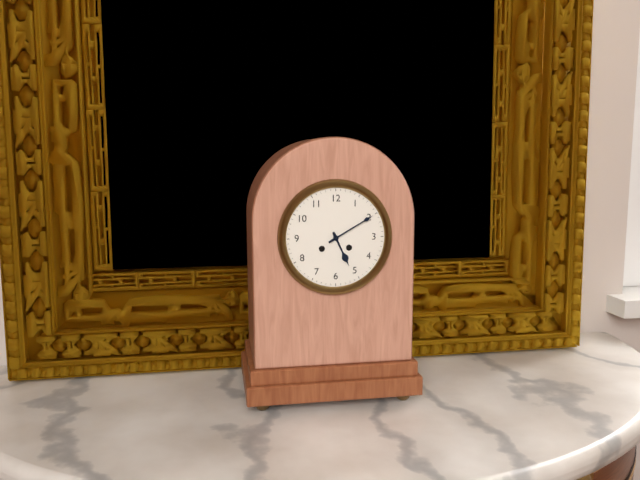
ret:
5:10
